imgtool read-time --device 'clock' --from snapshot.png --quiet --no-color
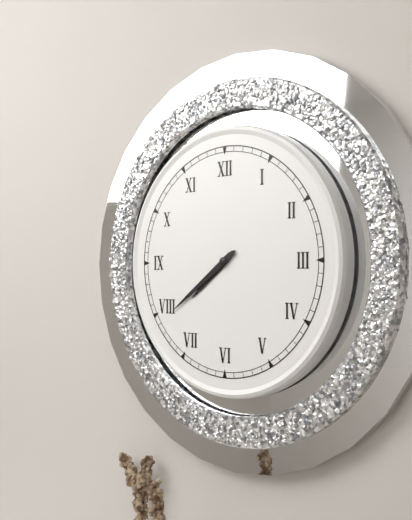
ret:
7:39
